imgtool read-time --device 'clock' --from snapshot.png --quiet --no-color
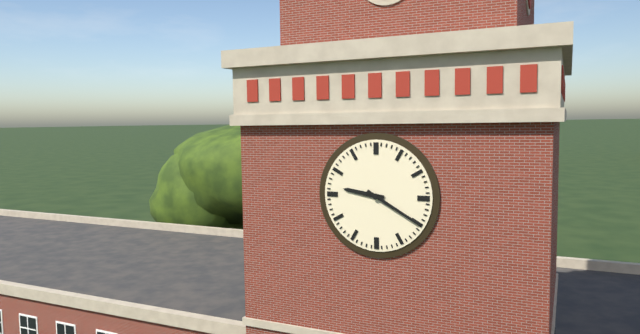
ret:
9:20
